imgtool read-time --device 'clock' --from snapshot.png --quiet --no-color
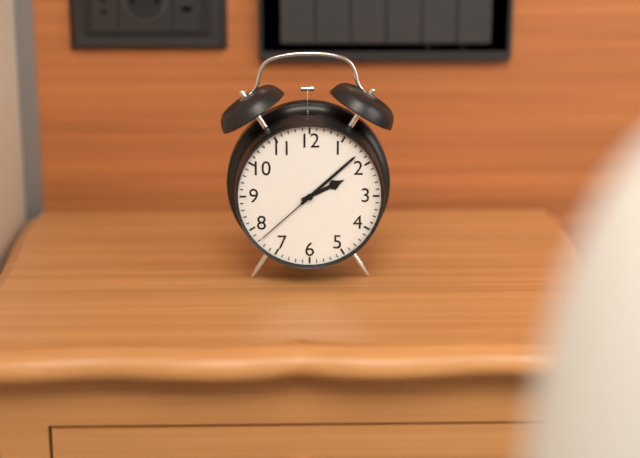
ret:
2:08:38
